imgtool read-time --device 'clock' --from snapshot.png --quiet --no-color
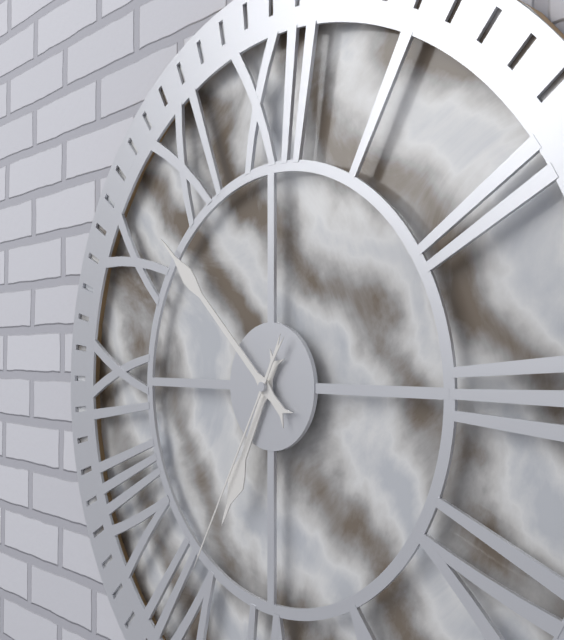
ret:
6:52:35
